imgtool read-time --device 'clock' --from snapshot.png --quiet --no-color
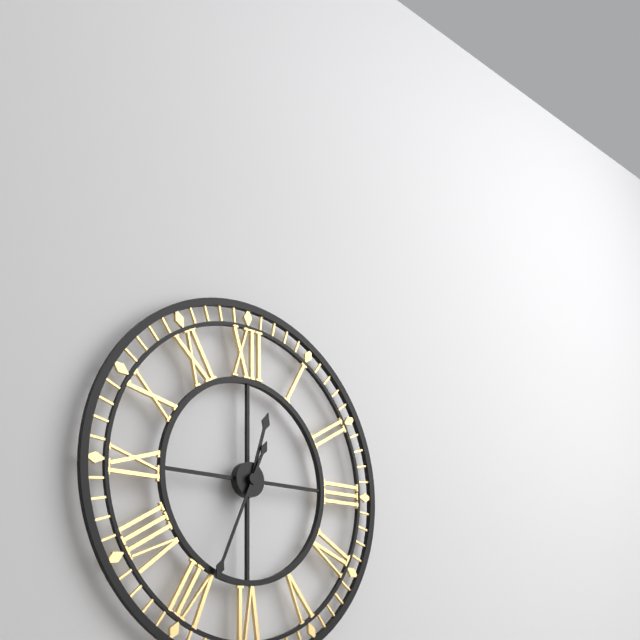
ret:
12:34
